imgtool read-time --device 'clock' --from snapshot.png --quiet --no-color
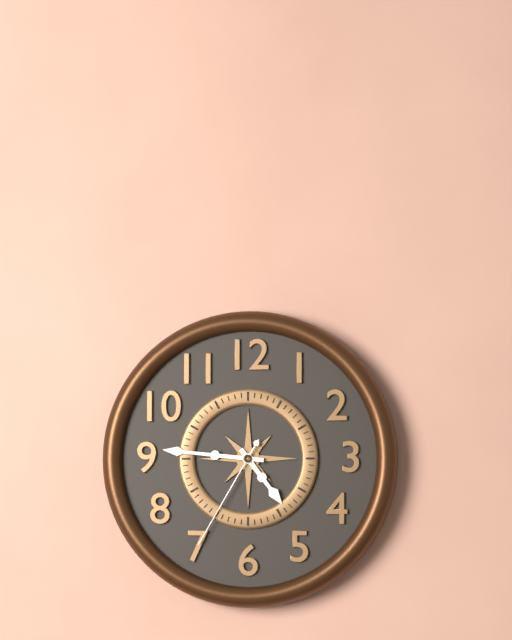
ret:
4:46:35
